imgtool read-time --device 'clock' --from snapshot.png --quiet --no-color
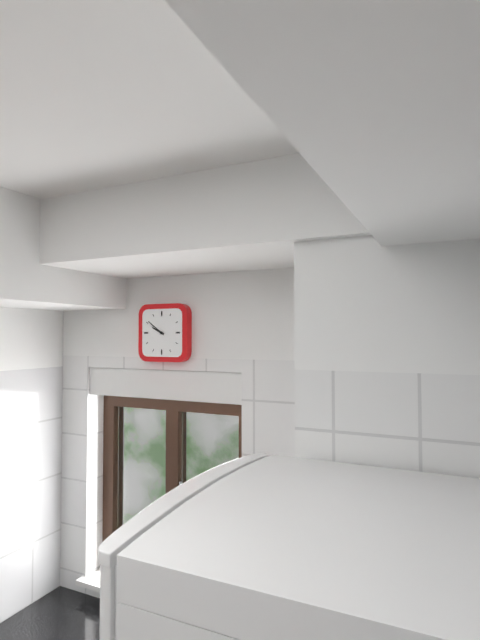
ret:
9:51
